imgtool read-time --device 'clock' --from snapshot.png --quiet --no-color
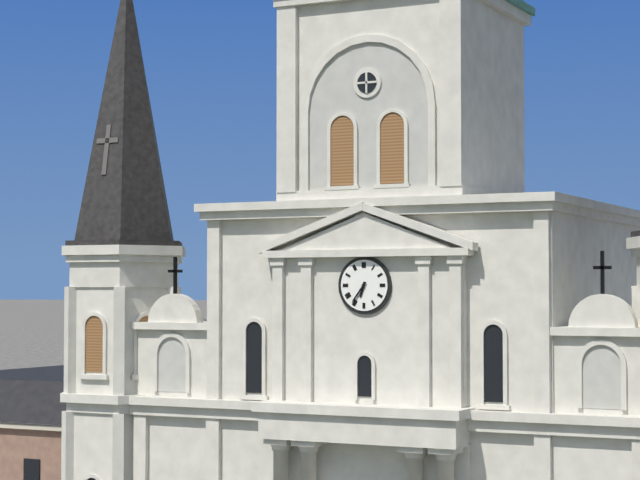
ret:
6:36
